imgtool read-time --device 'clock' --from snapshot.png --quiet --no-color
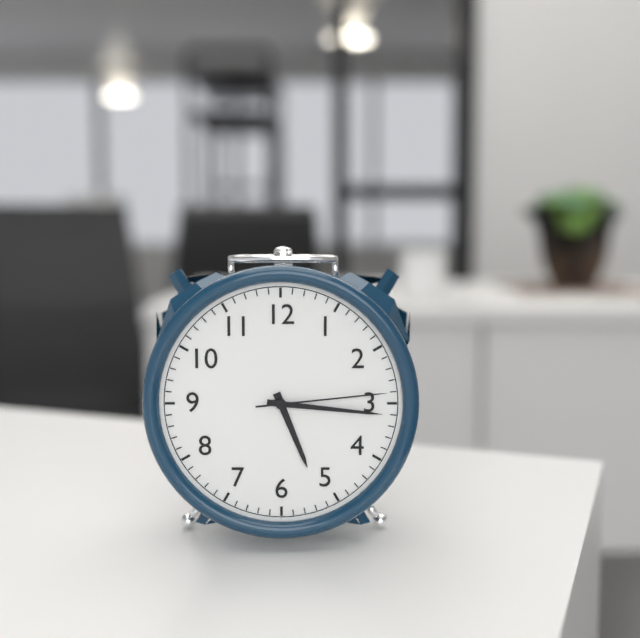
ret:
5:16:14
